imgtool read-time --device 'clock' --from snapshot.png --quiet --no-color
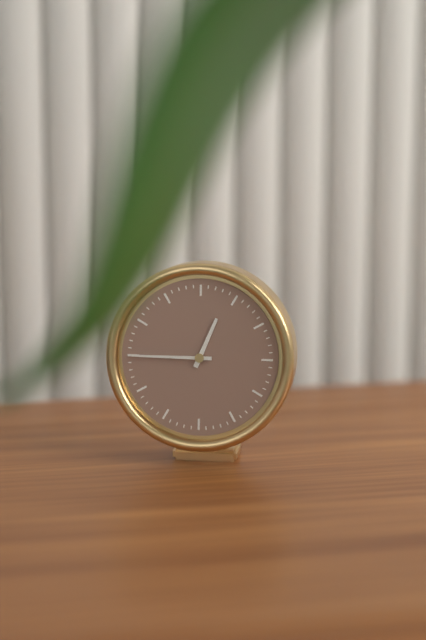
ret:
12:45
